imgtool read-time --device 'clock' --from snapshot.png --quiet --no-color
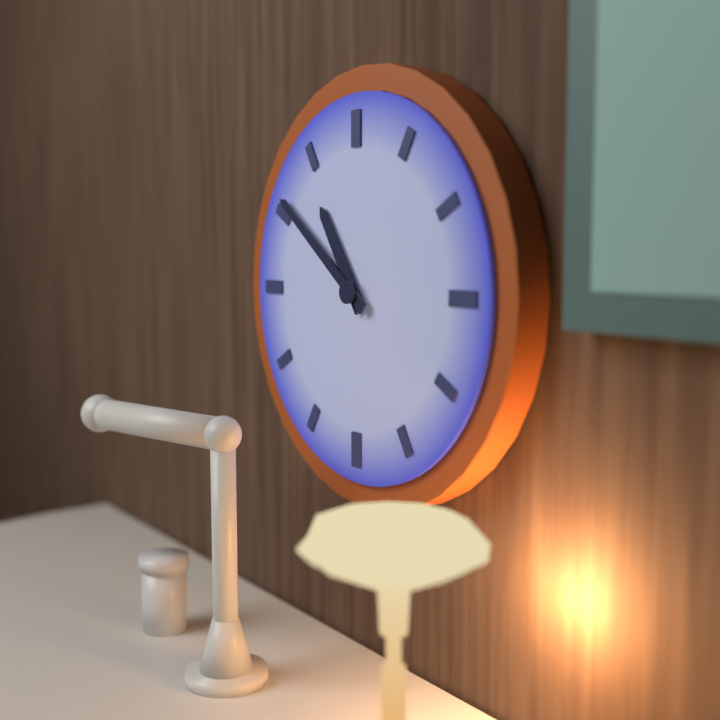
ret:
10:51
